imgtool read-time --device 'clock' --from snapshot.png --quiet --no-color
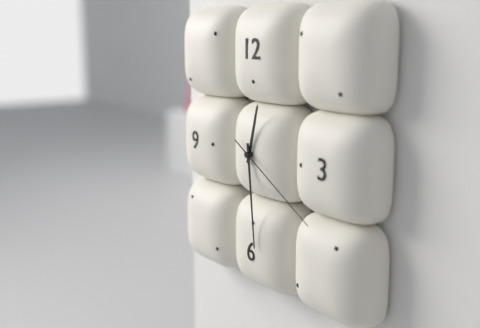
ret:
12:29:20
